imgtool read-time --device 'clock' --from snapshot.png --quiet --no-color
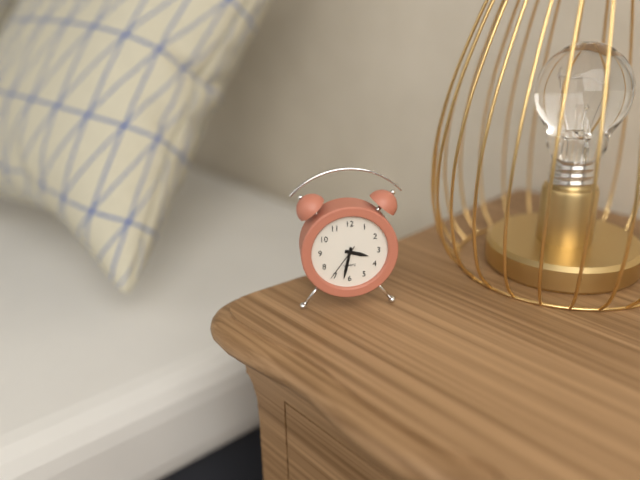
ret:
3:32
